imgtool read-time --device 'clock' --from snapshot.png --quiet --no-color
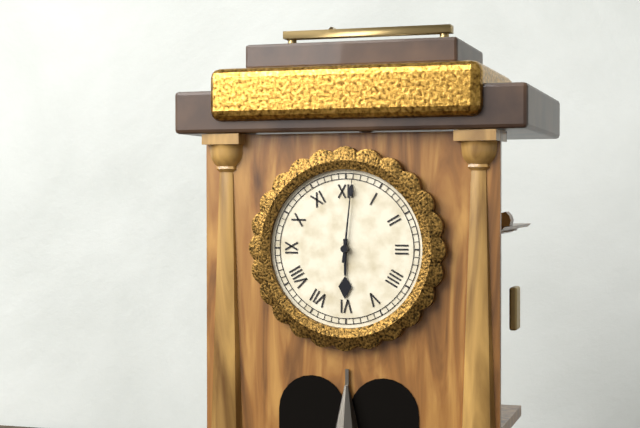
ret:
6:01
